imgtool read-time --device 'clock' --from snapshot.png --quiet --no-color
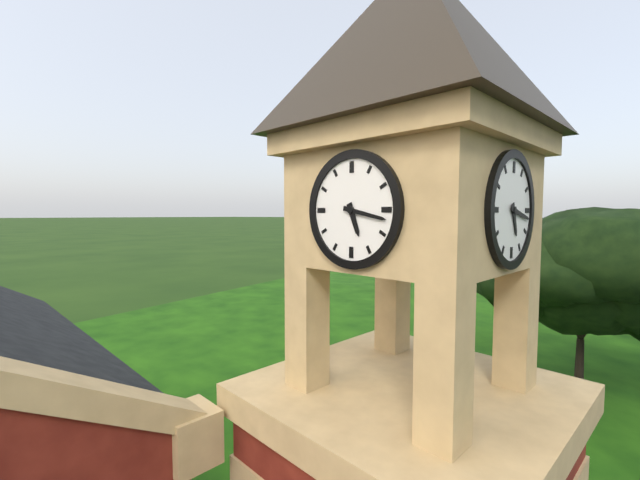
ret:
5:17
